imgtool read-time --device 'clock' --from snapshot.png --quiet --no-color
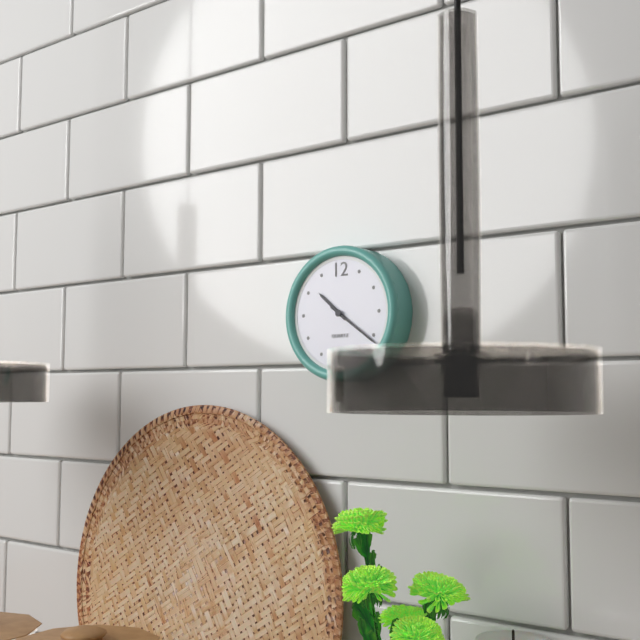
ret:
10:21
